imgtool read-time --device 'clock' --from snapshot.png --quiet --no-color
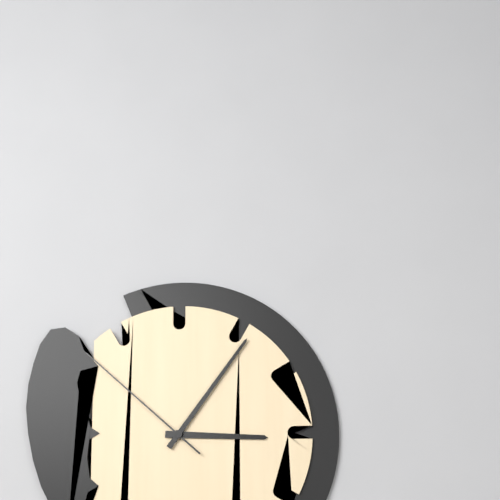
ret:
3:06:52
